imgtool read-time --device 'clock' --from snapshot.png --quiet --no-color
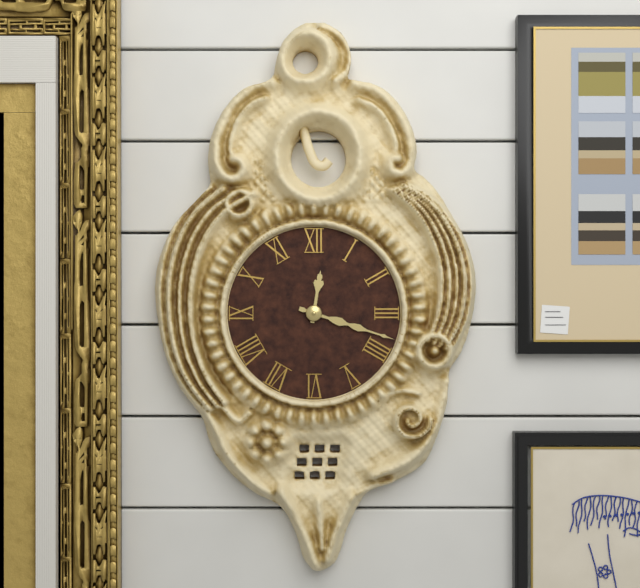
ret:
12:18
